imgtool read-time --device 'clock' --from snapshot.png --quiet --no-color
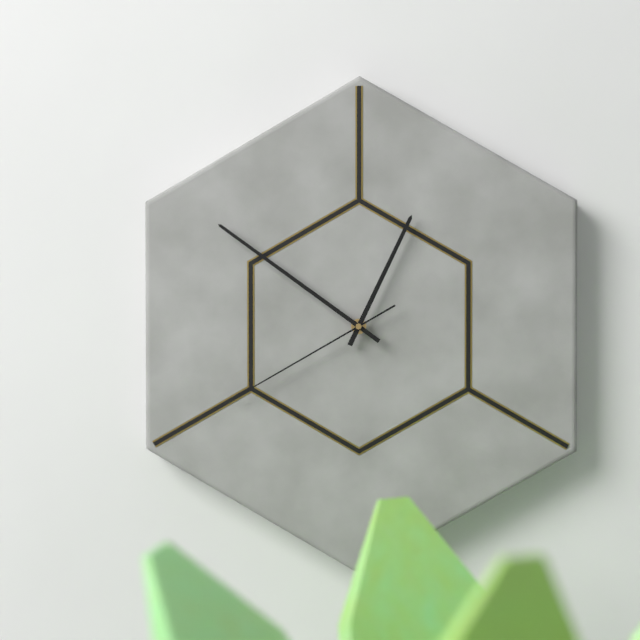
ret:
12:51:40
